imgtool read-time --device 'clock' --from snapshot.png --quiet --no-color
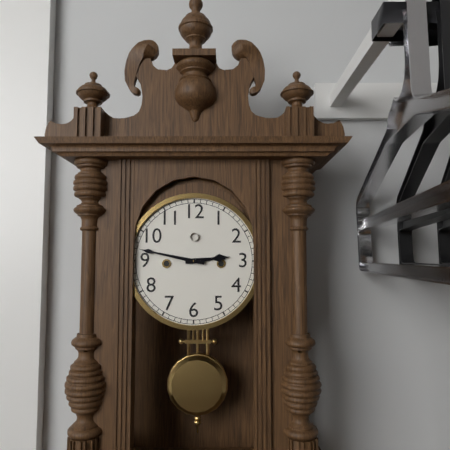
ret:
2:47
